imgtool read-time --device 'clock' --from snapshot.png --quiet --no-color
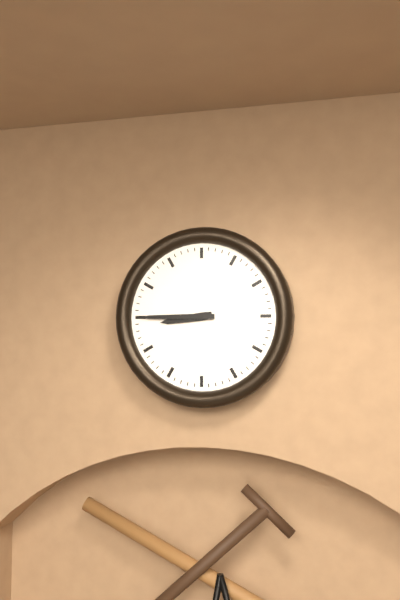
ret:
8:45
